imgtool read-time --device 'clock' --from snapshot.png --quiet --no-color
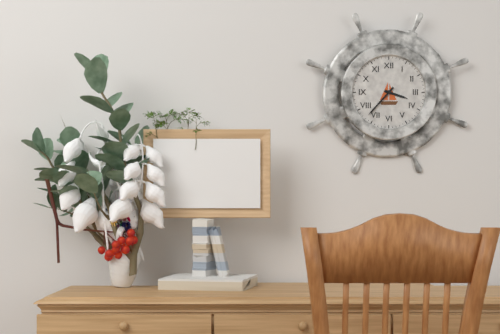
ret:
3:37
